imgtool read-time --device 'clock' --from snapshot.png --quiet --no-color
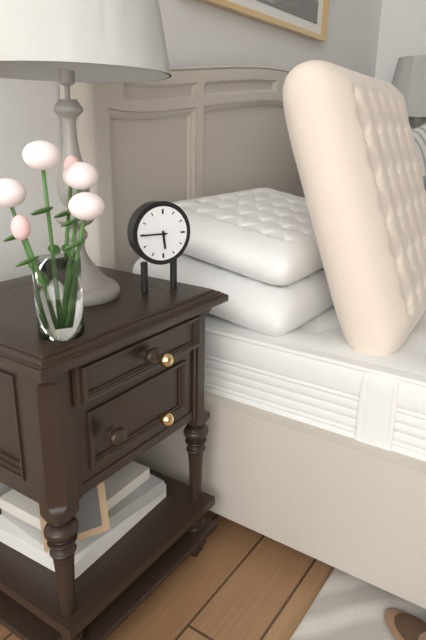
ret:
5:45
